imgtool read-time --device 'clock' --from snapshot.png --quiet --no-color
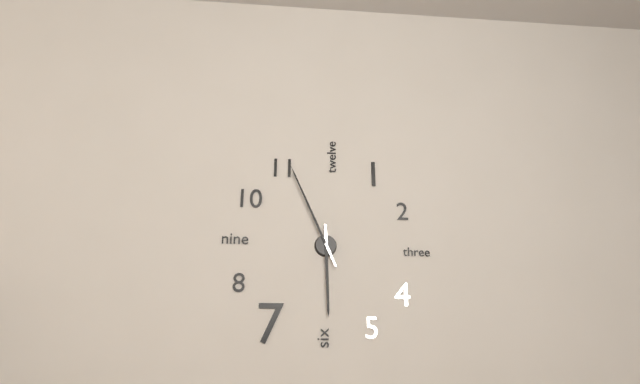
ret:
5:56
